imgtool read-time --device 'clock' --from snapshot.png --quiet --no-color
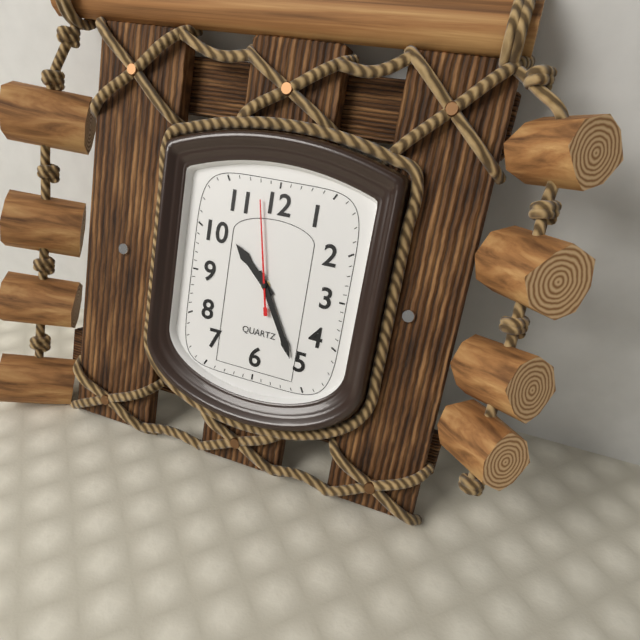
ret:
10:25:58
